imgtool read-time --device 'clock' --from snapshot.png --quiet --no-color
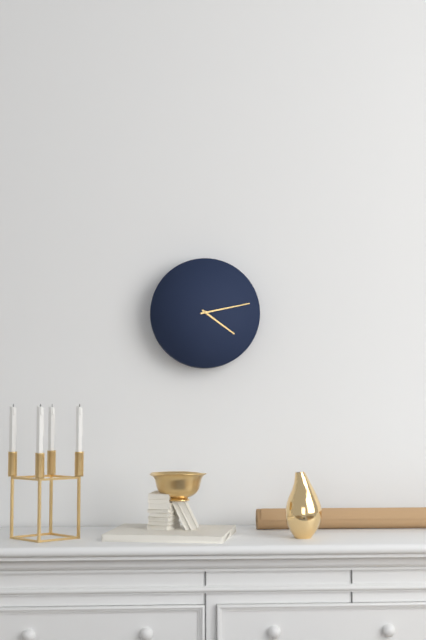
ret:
4:13
